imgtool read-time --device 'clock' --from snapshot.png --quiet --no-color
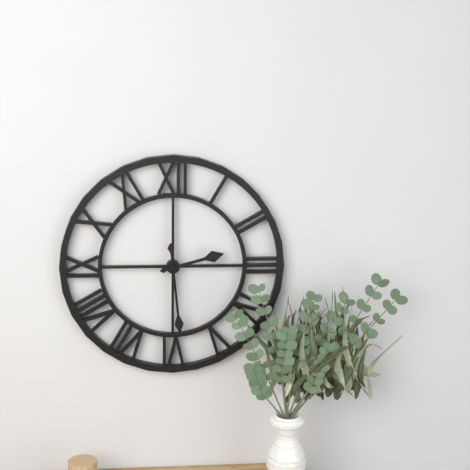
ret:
2:29
